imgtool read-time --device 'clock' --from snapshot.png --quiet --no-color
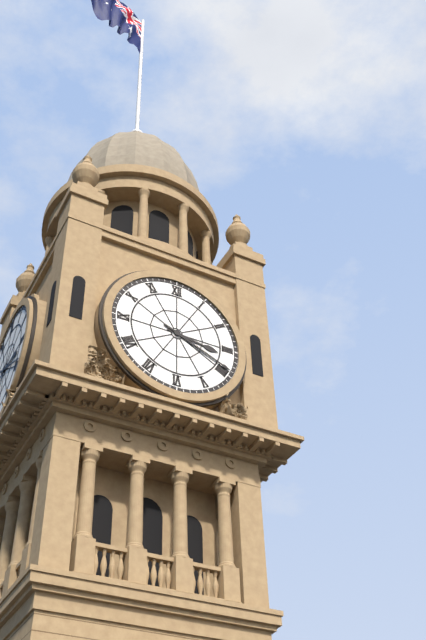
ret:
3:19
